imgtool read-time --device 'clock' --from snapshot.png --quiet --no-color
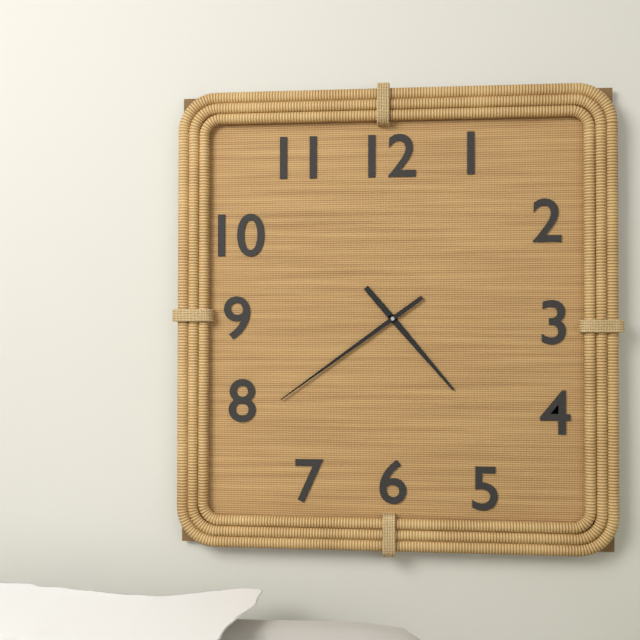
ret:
4:39
